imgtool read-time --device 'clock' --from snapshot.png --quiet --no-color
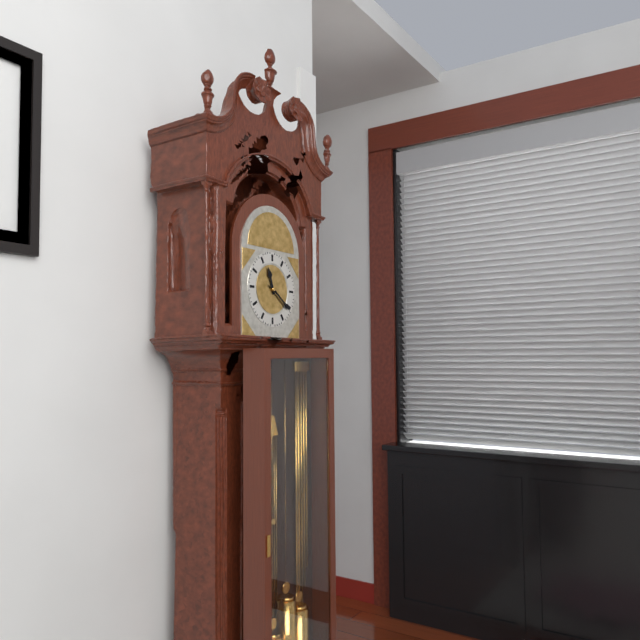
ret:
11:21
